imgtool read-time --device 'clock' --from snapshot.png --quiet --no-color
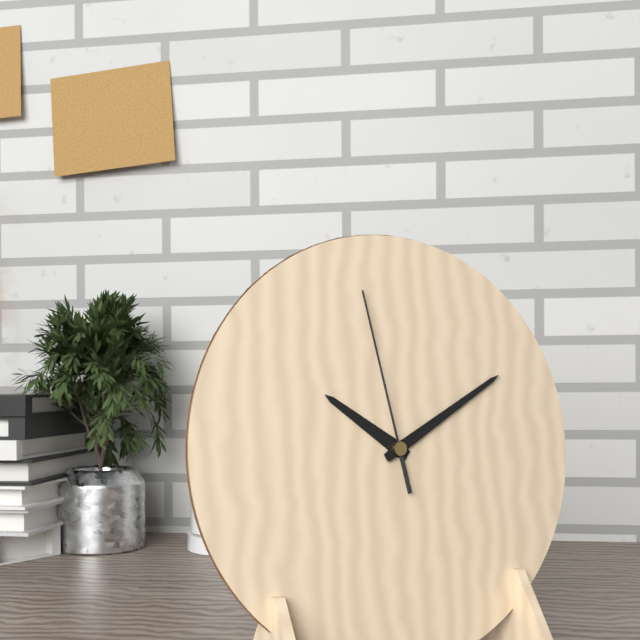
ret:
10:10:58
